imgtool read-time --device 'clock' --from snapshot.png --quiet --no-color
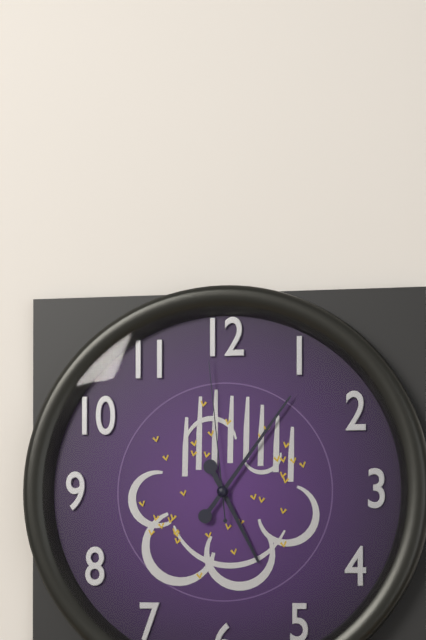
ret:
5:06:59
